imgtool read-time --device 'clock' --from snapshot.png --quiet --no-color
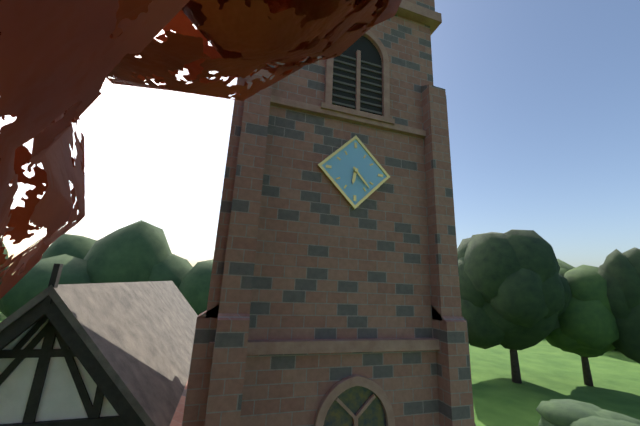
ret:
6:23
